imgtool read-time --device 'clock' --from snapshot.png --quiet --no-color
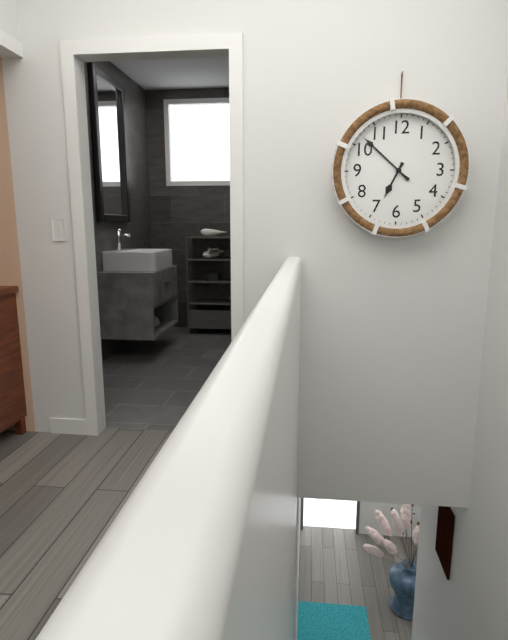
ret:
6:52
